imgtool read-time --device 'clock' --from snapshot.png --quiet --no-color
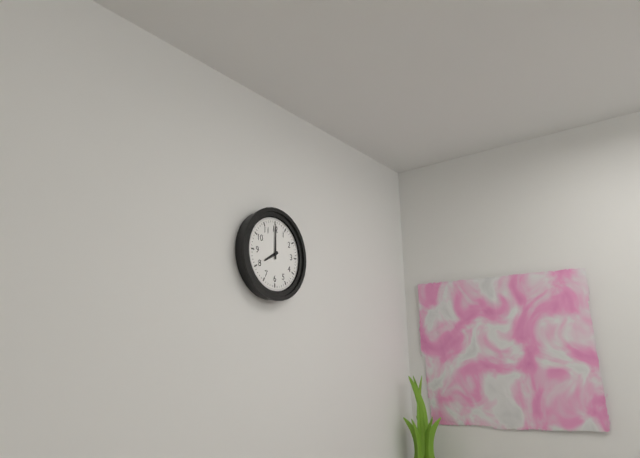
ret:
8:00
